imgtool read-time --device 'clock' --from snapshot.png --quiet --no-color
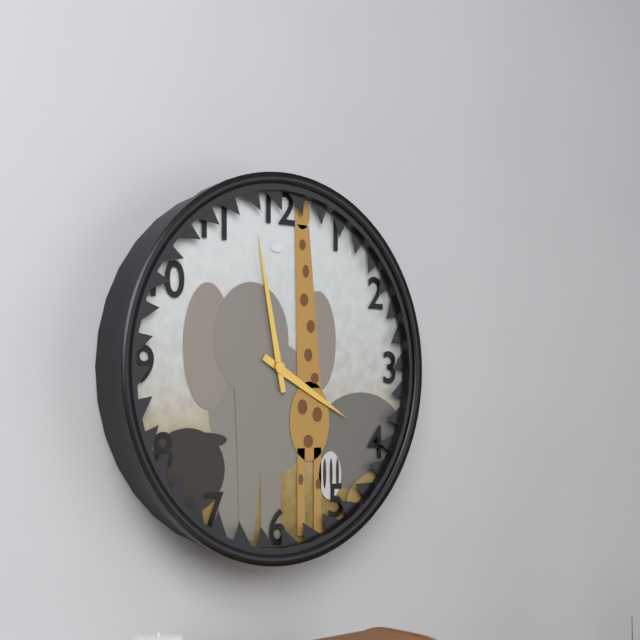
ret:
3:58
